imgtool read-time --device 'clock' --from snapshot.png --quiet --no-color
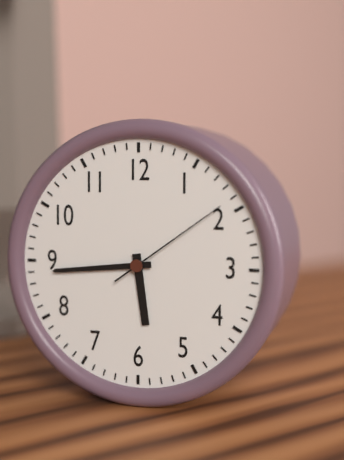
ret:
5:44:09
